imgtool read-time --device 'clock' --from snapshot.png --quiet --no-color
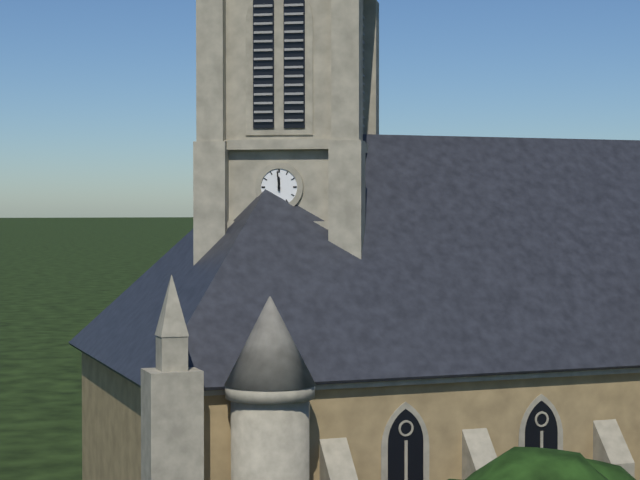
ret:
11:59
